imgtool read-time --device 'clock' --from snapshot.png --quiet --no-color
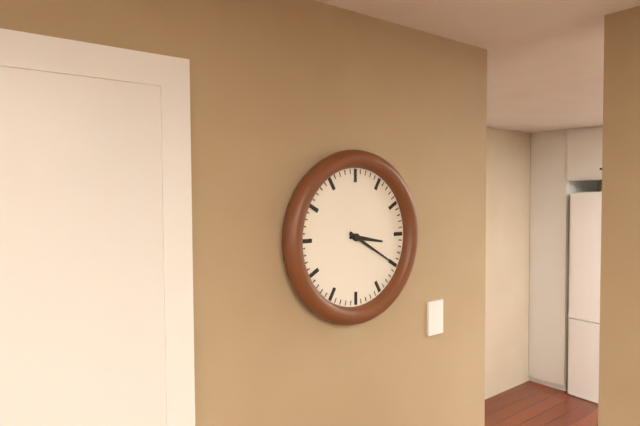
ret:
3:20
